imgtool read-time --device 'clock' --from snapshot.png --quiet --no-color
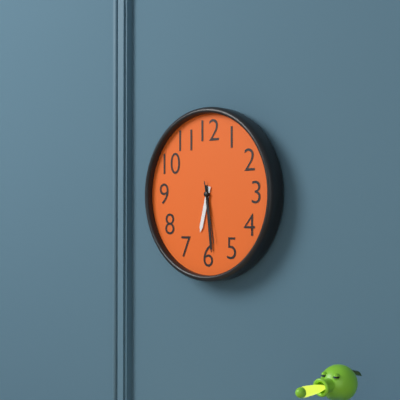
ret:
6:29:28
